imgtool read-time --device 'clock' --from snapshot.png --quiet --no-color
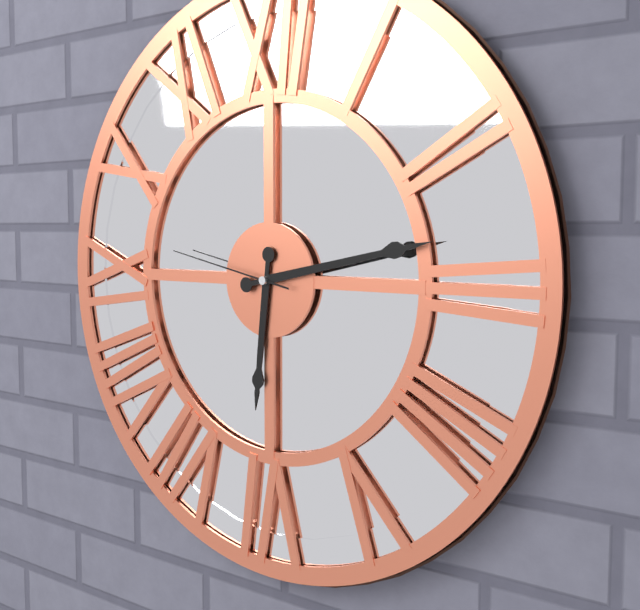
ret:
6:13:47
